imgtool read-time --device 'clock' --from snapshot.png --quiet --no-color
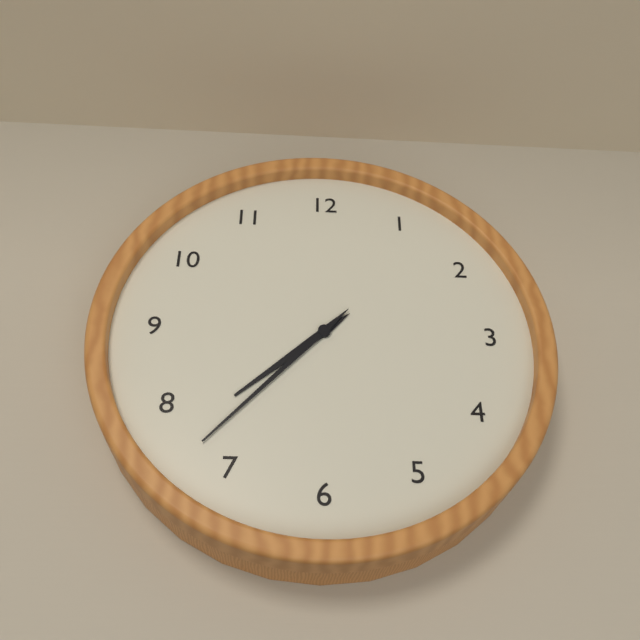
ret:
7:37
